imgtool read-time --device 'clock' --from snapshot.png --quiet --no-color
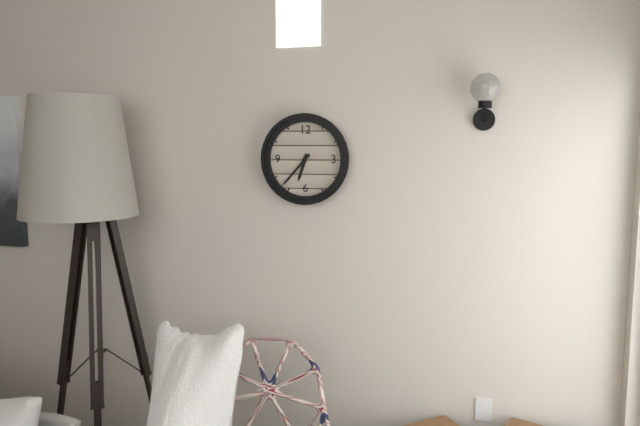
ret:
6:37
